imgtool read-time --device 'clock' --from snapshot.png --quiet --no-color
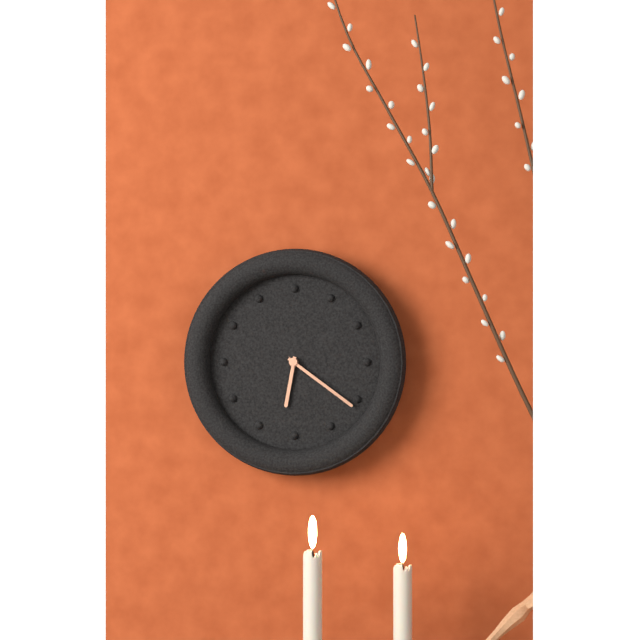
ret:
6:21
